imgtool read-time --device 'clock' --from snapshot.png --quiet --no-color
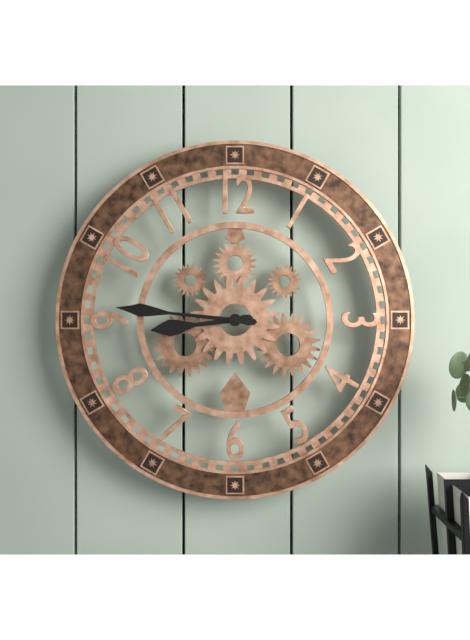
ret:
8:46
